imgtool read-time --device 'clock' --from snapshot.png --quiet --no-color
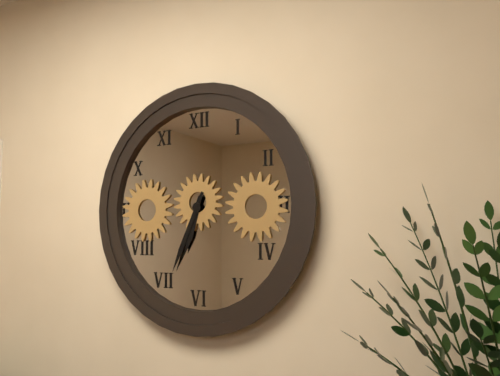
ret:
6:34
